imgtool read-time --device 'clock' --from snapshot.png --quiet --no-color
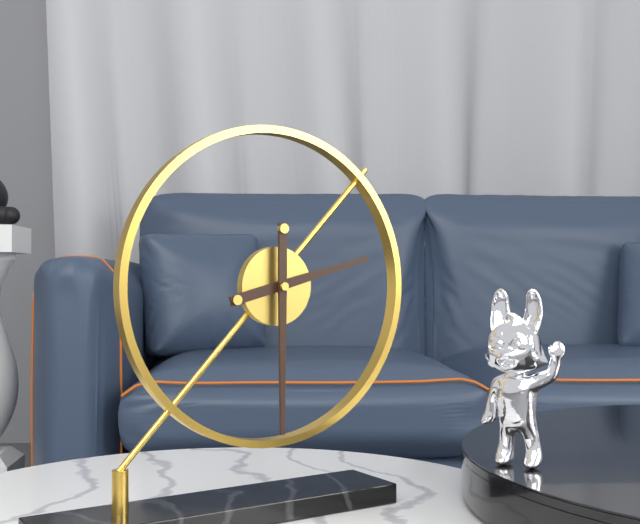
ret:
2:30
